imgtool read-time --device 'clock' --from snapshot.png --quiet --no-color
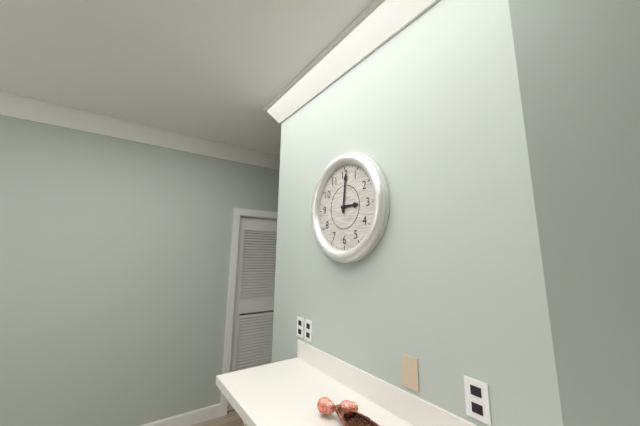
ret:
3:01
